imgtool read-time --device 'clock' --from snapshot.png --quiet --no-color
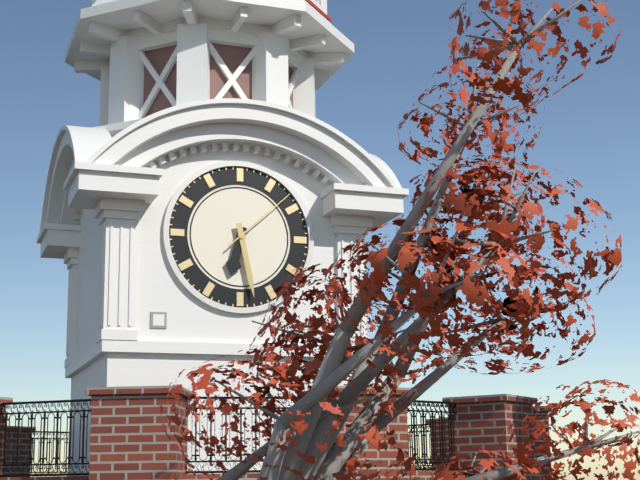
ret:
6:28:08
